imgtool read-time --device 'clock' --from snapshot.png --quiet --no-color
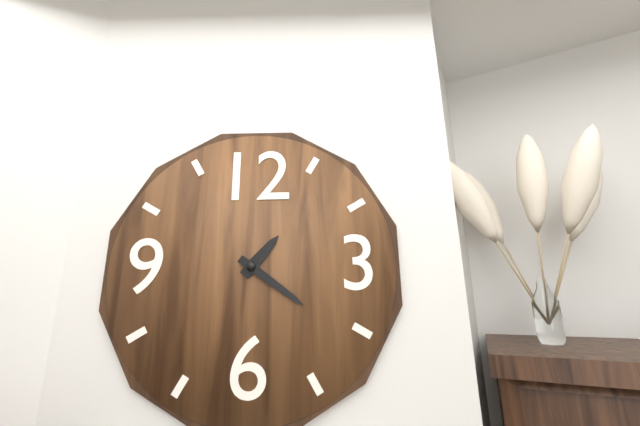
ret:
1:21
